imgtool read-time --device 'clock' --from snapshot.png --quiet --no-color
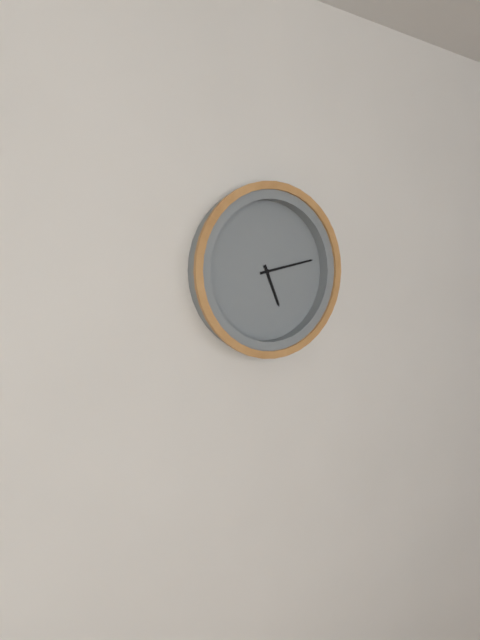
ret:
5:13
